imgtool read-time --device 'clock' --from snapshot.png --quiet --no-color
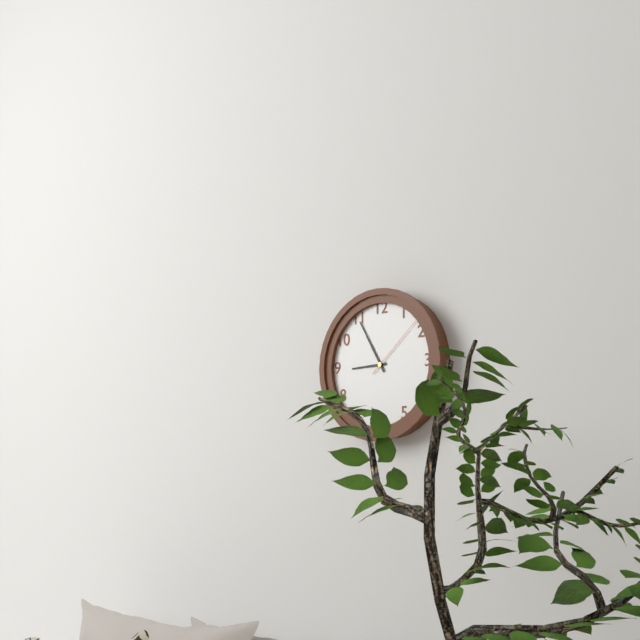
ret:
8:55:08
